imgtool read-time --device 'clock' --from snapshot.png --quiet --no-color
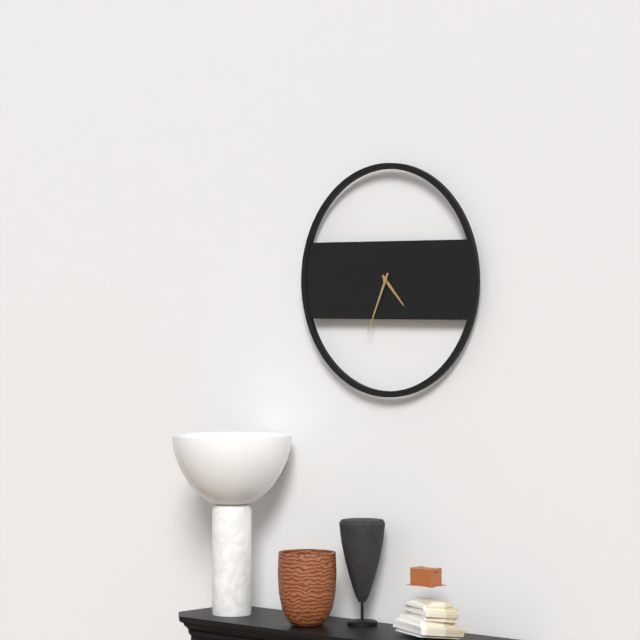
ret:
4:34
